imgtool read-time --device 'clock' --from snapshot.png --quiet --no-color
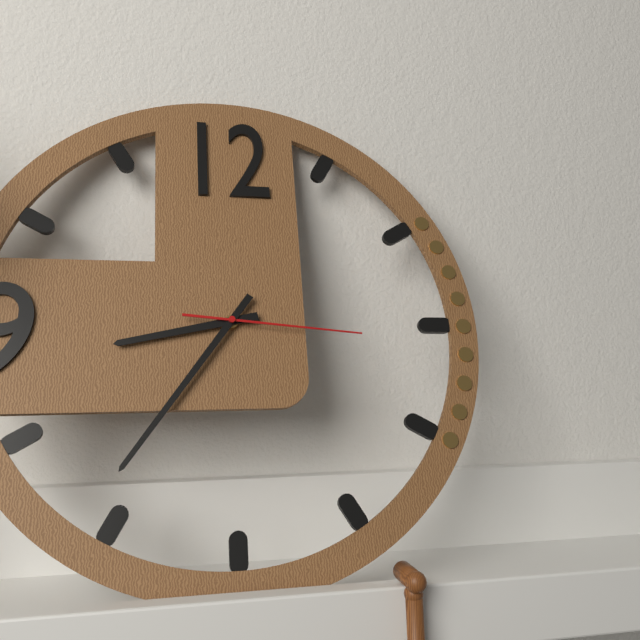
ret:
8:36:16
